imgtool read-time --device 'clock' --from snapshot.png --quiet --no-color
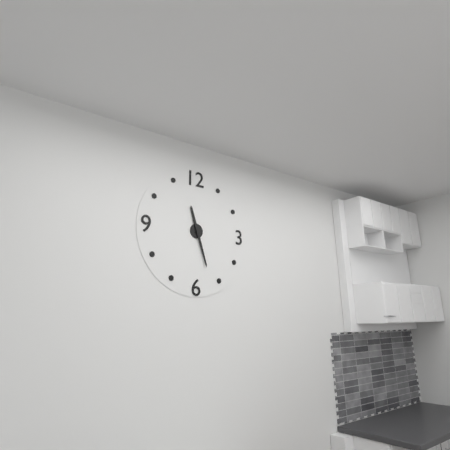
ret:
11:27
